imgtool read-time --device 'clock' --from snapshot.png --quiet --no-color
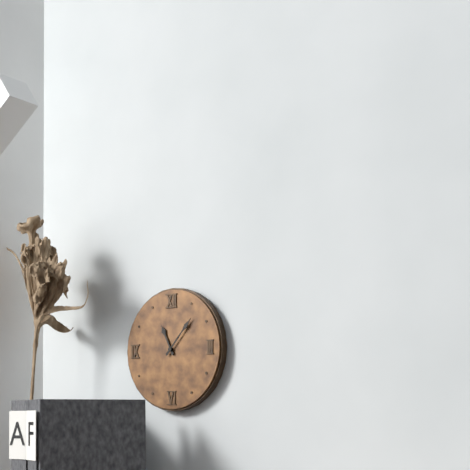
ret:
11:07
